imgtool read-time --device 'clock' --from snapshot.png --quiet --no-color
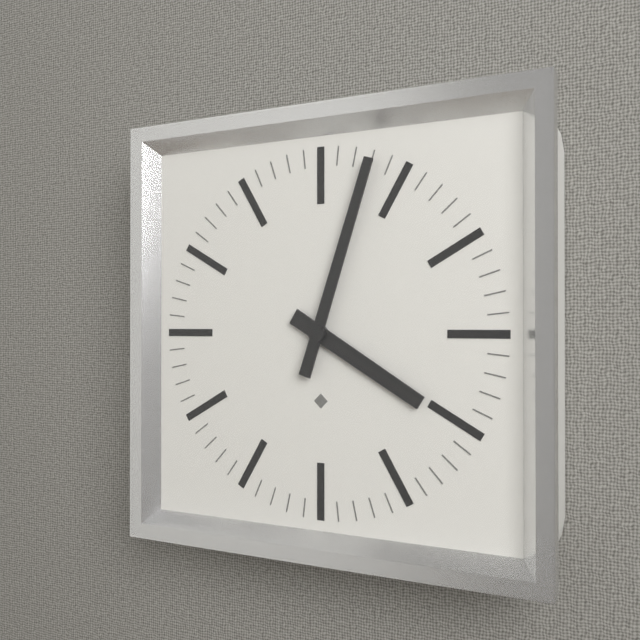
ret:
4:03
